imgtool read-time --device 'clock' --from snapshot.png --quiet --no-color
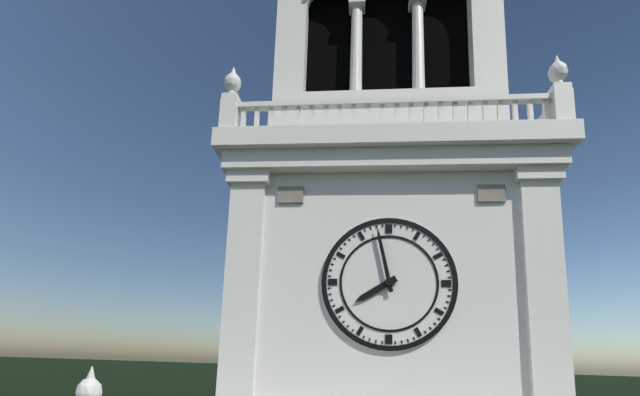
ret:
7:58
